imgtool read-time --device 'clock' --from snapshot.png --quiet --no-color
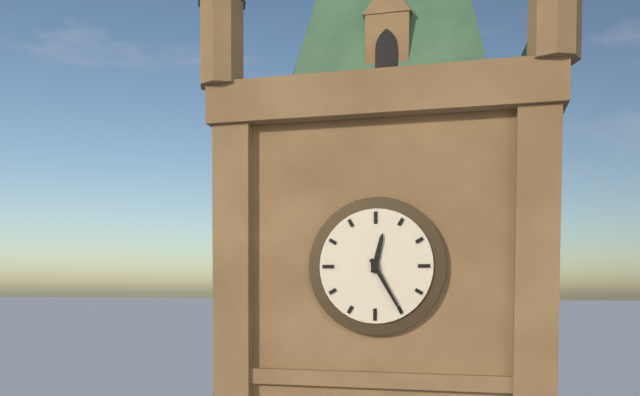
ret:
12:25
